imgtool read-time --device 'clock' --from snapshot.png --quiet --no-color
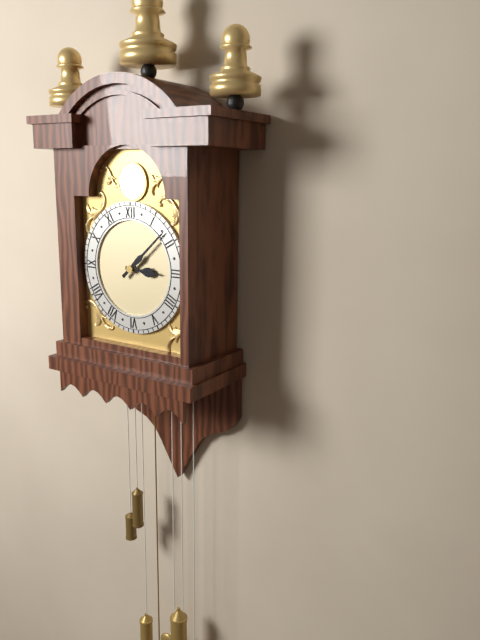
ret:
3:08
